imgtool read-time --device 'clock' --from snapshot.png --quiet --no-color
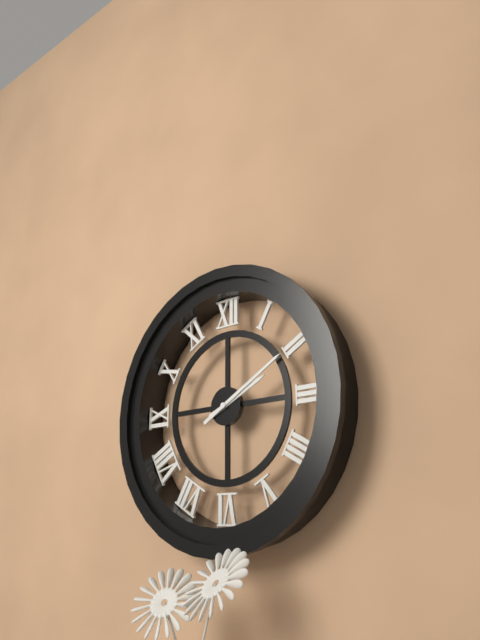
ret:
2:10
